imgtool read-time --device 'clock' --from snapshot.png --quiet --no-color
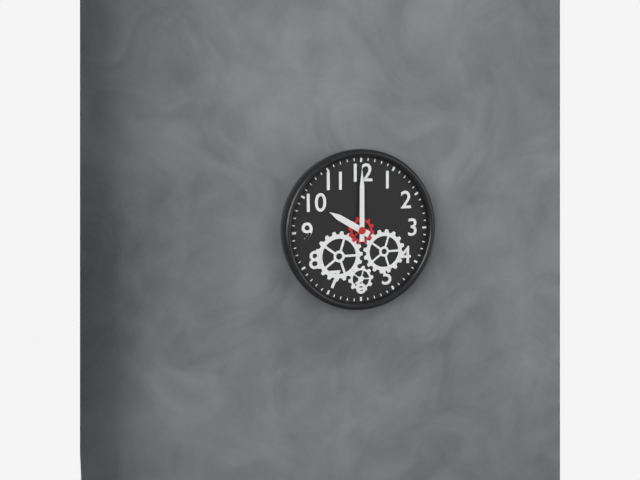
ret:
10:00
